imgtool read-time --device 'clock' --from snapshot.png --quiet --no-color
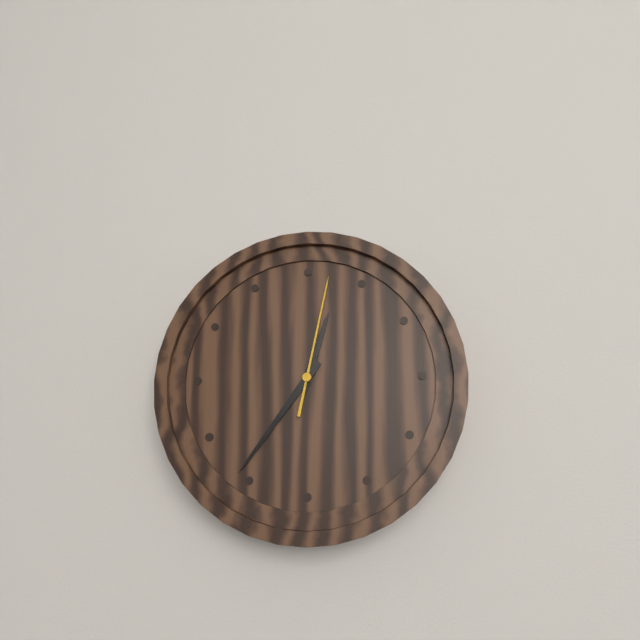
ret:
12:36:02
